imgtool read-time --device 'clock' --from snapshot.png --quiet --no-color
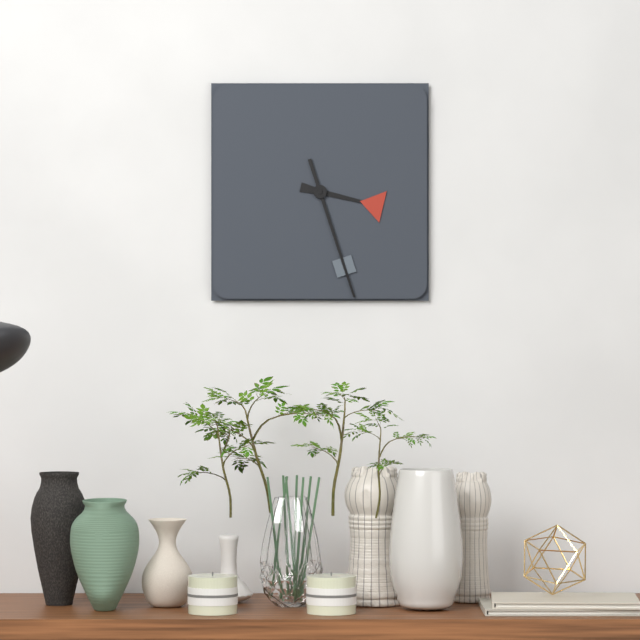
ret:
3:27
